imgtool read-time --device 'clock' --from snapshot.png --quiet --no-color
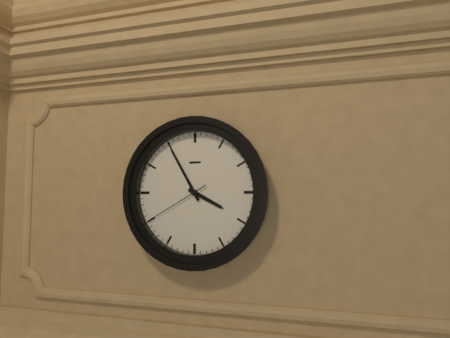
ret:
3:55:40
